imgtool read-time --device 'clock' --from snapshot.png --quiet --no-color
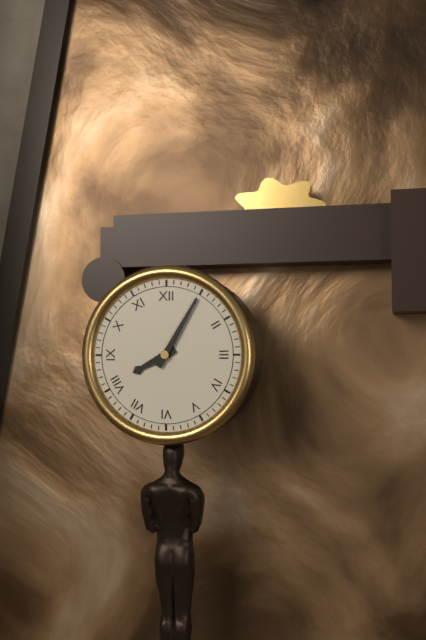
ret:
8:05
